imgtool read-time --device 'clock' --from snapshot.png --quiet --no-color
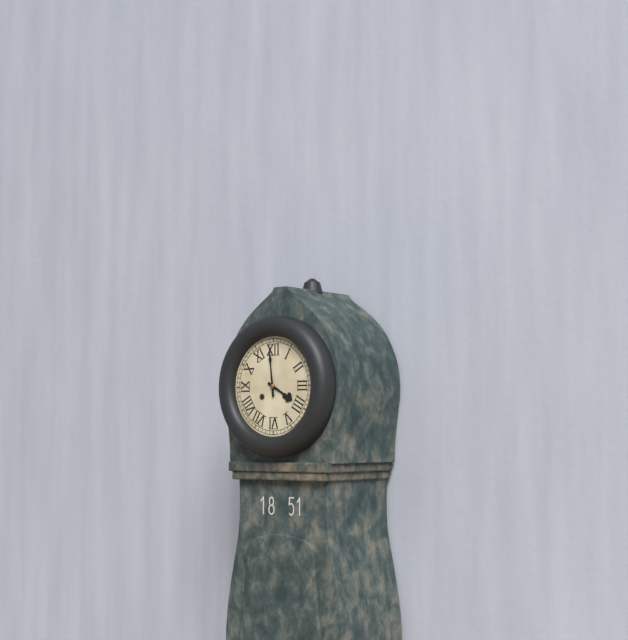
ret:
3:59
